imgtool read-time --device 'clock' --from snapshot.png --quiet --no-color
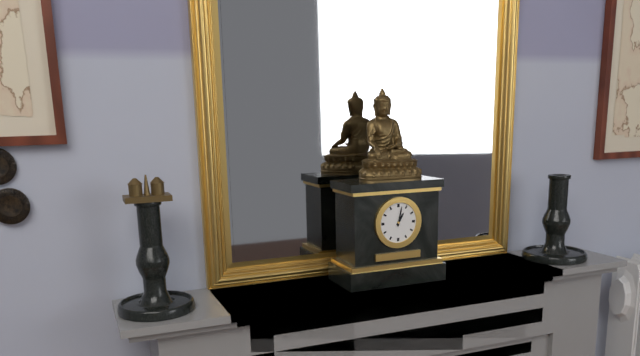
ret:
1:02
